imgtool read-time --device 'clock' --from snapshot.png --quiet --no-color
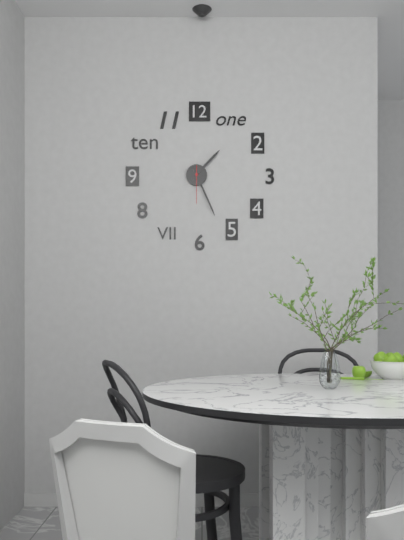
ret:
1:26
